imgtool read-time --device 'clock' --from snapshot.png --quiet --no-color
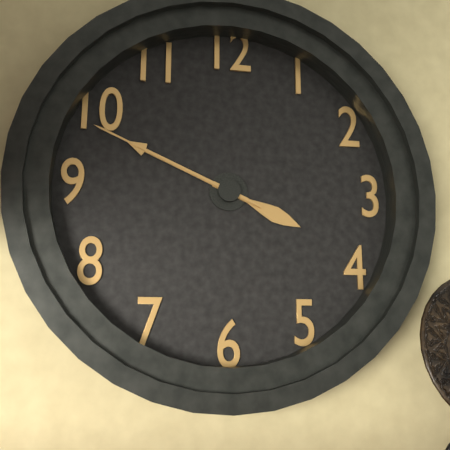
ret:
3:49:49
